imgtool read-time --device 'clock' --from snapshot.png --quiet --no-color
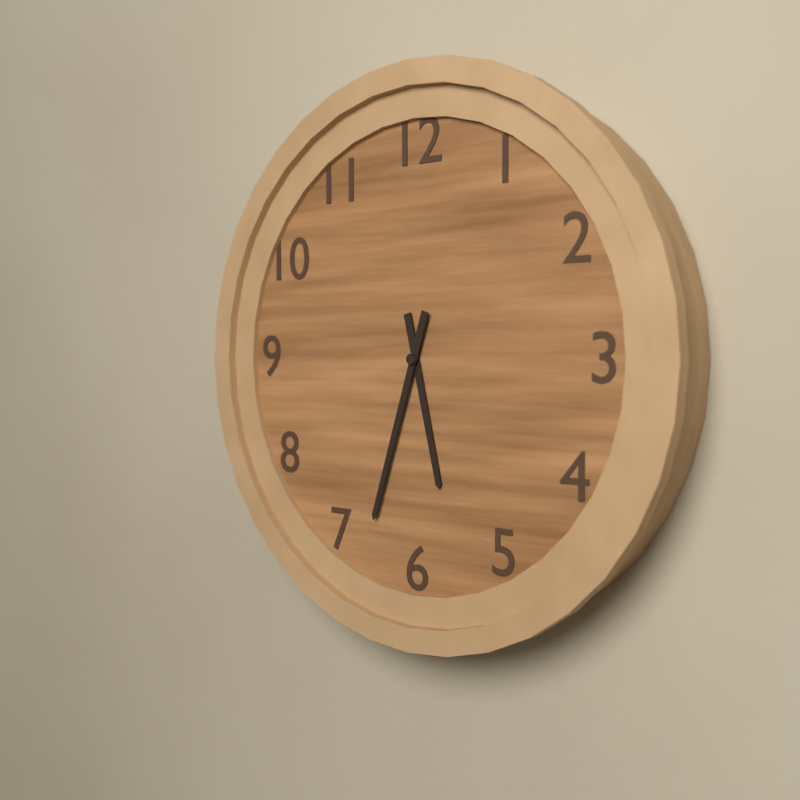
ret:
5:33
